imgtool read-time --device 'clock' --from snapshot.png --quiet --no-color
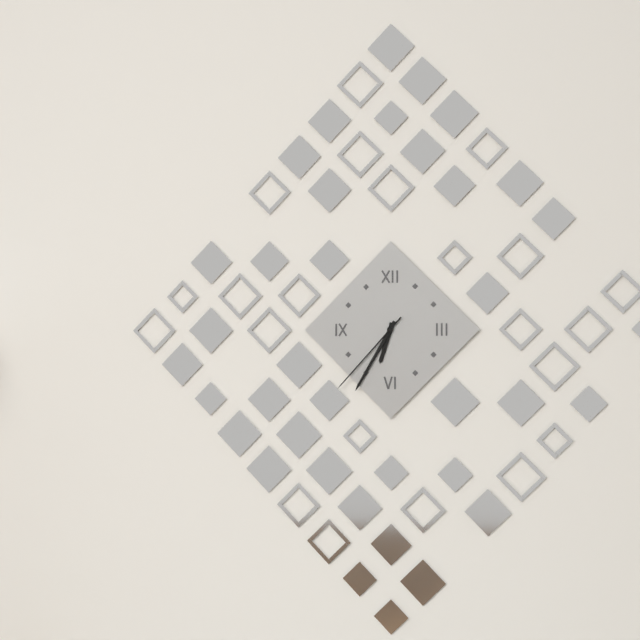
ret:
6:35:37
